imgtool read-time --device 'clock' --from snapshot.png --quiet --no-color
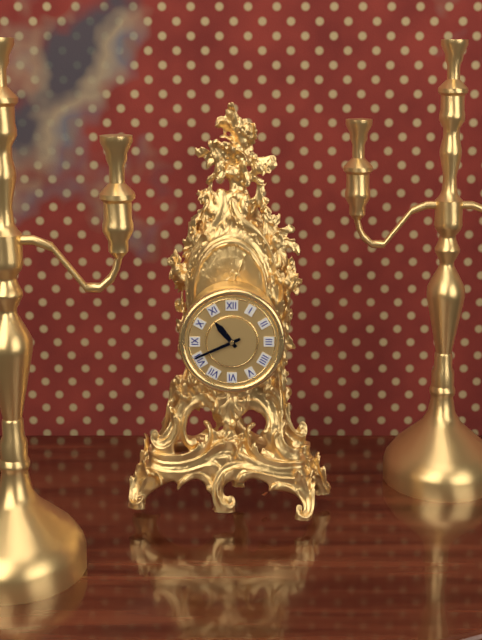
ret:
10:41
